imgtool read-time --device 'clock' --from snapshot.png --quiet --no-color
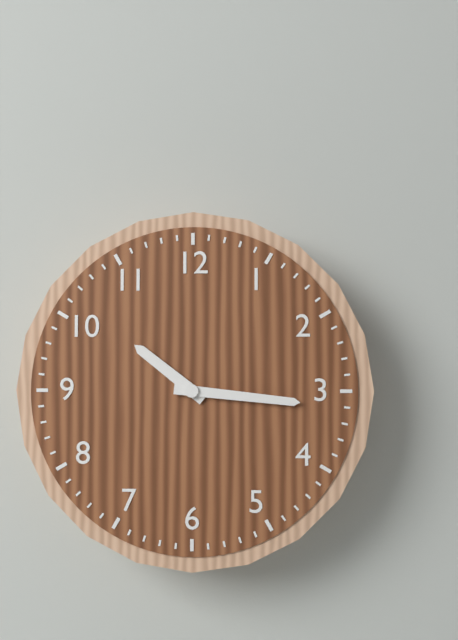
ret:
10:16
